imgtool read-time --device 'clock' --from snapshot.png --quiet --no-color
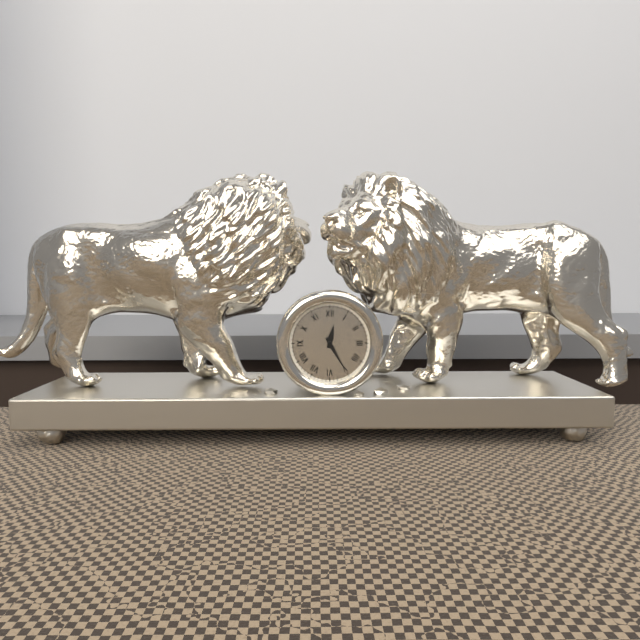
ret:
12:25
